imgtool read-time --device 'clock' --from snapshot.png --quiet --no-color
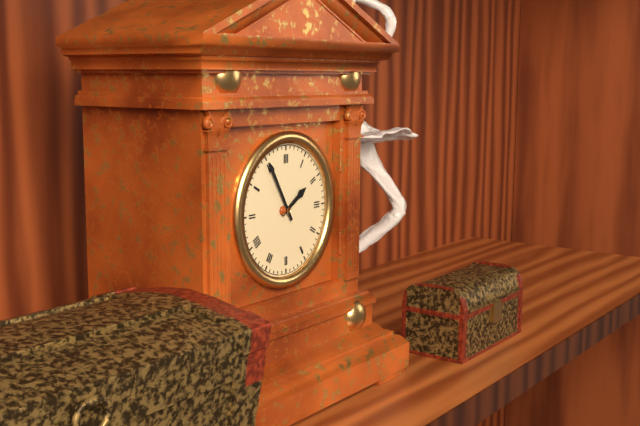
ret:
1:55
